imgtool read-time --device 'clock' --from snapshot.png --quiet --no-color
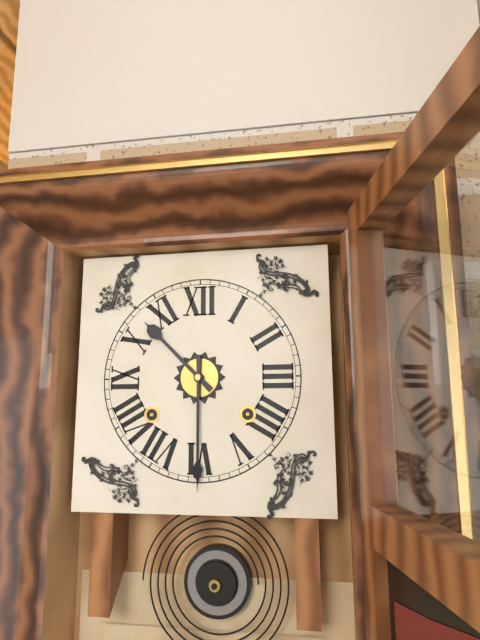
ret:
10:30
